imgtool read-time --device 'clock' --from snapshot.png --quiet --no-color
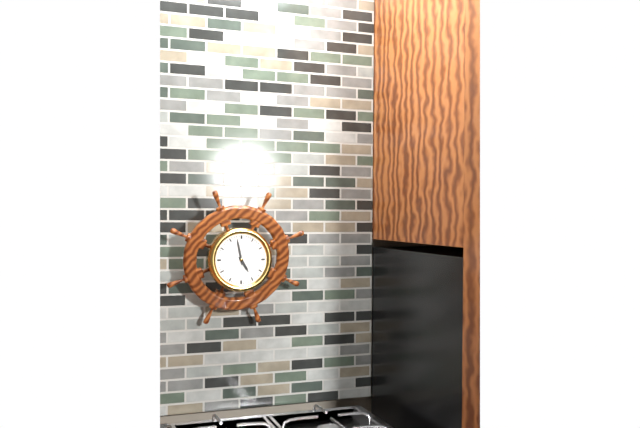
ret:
4:58
